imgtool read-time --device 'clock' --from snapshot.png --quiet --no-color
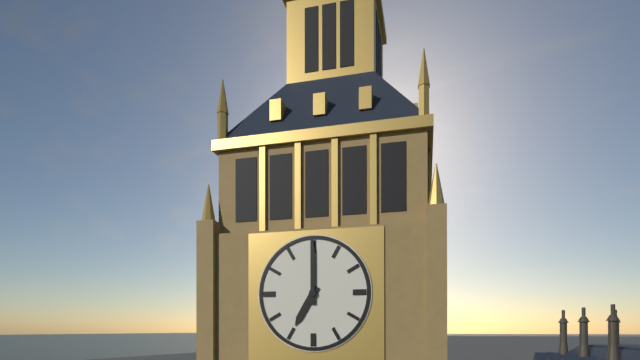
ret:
7:00
